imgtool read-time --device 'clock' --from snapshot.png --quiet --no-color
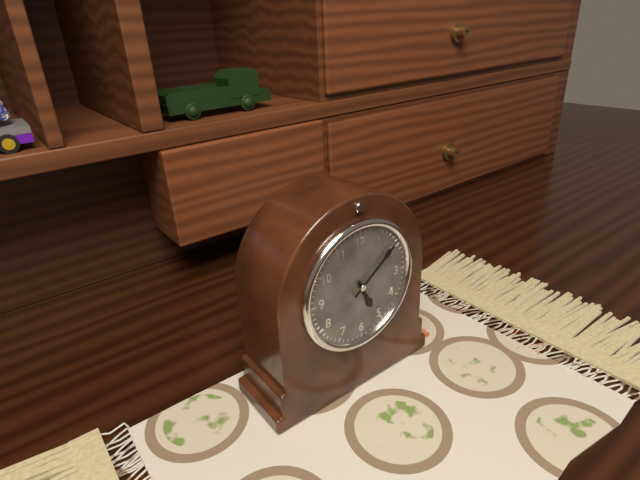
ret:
5:09
